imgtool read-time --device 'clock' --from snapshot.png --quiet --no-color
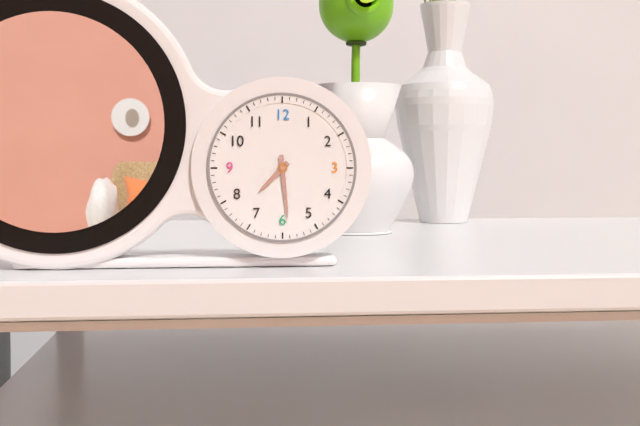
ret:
7:29
